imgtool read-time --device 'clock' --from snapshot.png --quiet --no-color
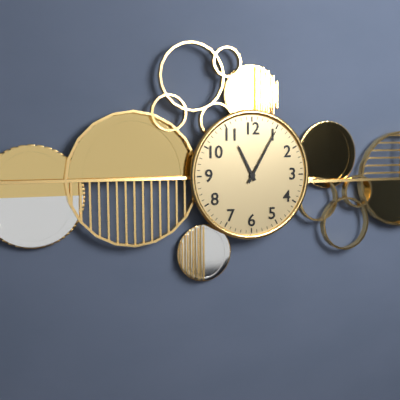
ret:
11:05
